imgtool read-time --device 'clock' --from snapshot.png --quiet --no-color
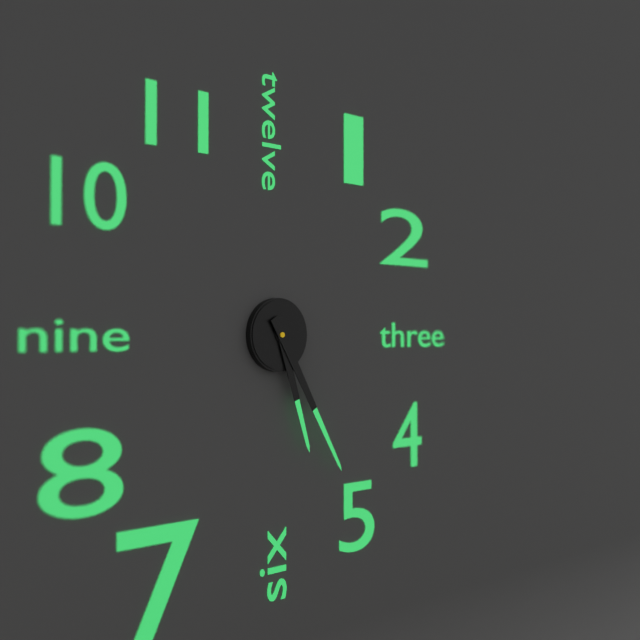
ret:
5:25
